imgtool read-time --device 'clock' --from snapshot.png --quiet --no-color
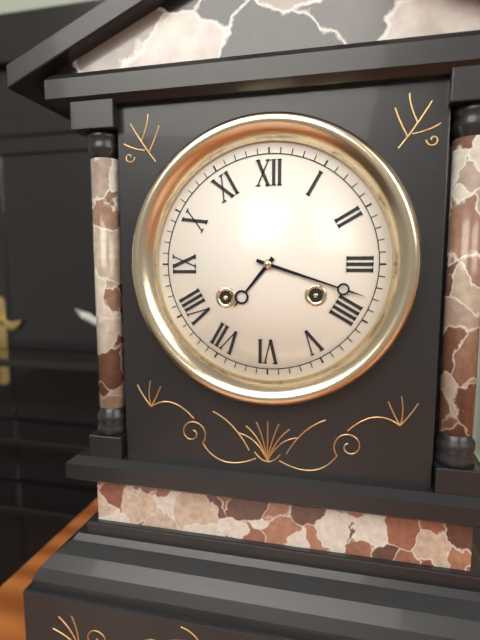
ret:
7:18
